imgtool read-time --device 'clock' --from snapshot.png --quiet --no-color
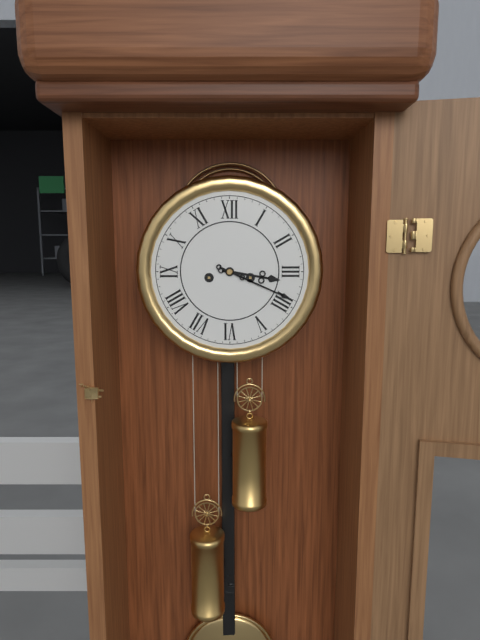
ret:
3:19
